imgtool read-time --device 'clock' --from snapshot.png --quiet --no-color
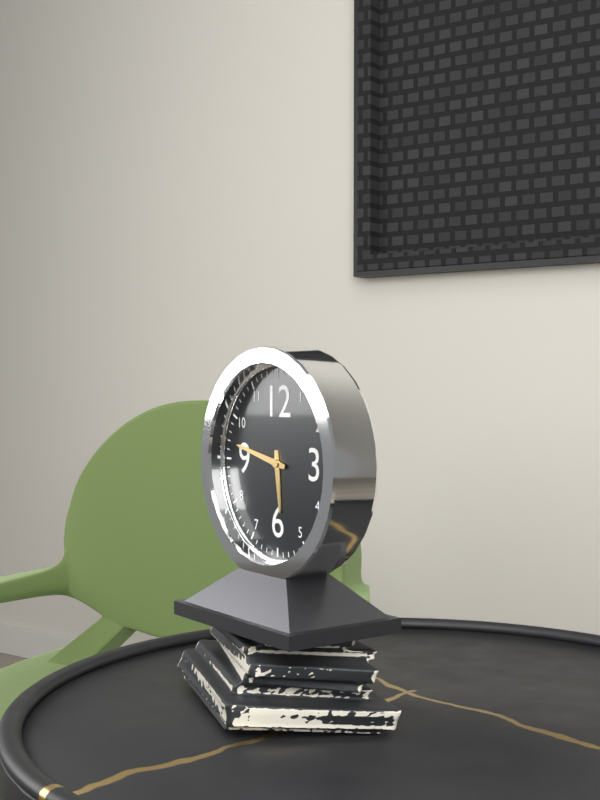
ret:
5:47
